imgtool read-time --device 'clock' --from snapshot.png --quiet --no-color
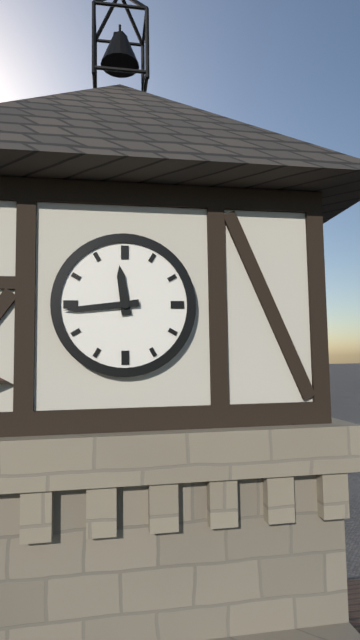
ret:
11:44
